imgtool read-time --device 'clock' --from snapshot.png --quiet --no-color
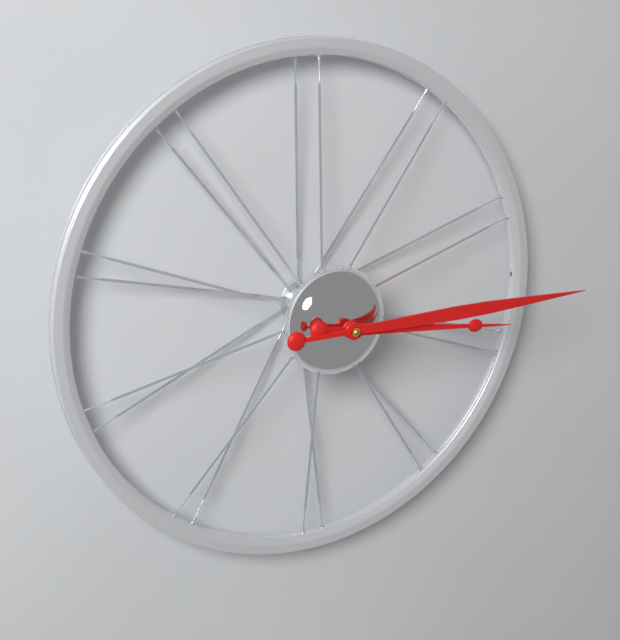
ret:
3:15
